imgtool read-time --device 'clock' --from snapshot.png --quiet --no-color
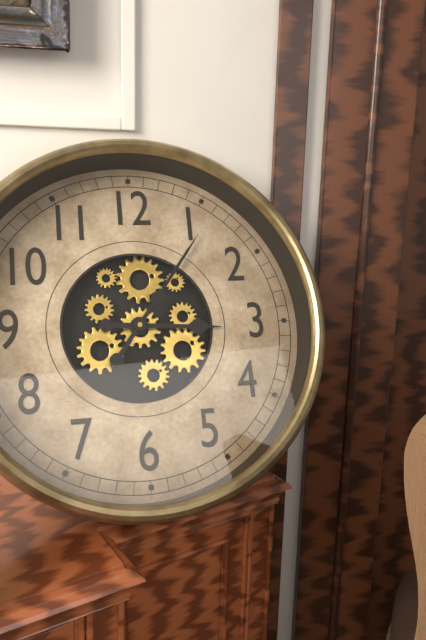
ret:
3:06
